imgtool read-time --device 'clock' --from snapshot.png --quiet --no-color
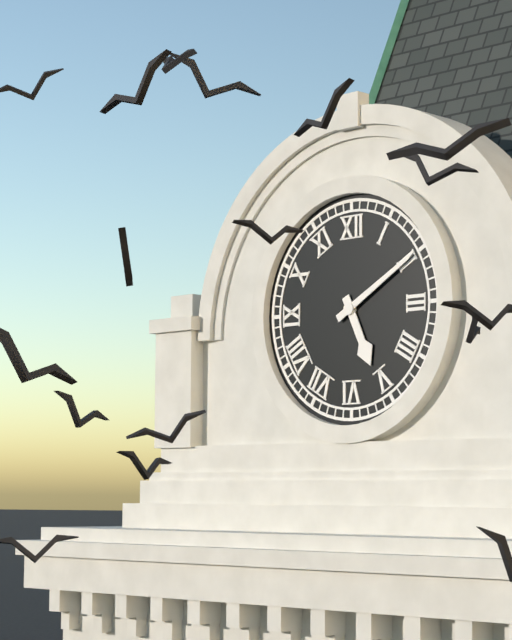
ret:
5:10
